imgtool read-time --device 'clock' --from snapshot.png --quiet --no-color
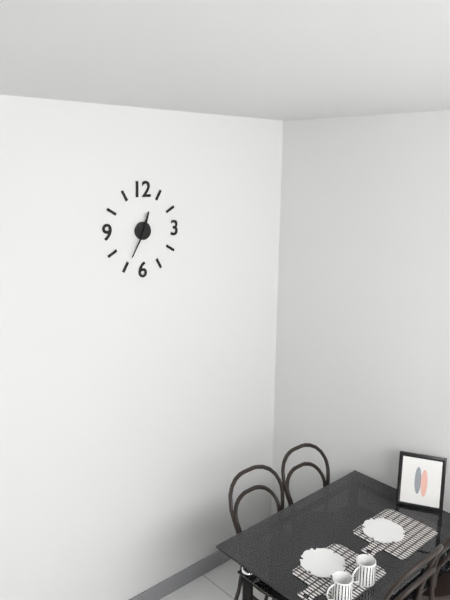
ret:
12:35
